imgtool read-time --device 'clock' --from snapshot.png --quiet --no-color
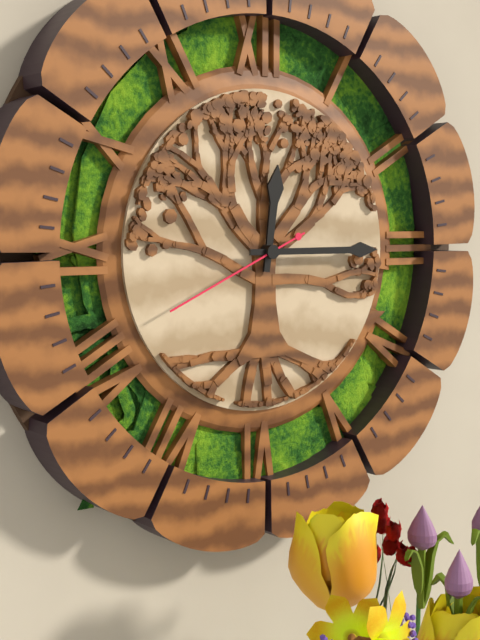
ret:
12:15:41
